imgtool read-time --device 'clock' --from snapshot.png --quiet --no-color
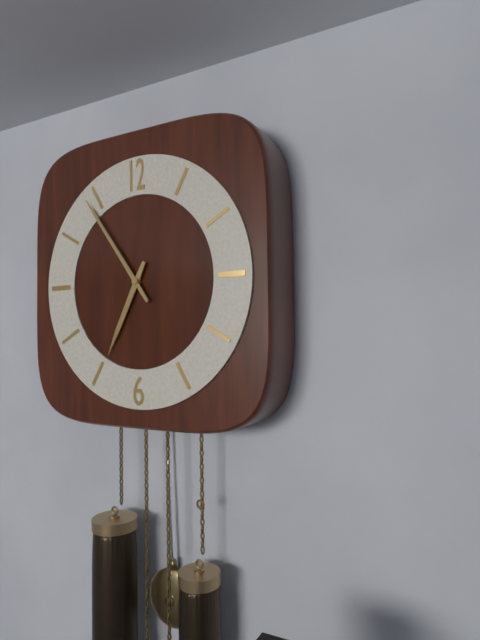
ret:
6:54
